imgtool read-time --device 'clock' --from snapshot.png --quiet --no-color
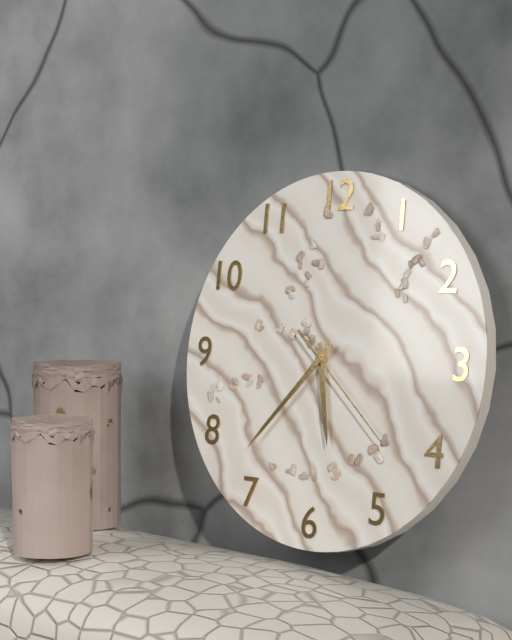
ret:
5:37:22
